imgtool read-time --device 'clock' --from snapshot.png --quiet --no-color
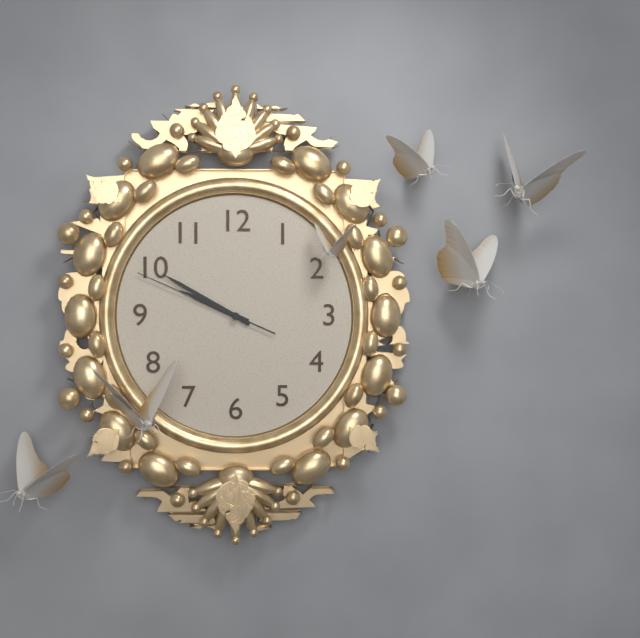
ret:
9:50:49
